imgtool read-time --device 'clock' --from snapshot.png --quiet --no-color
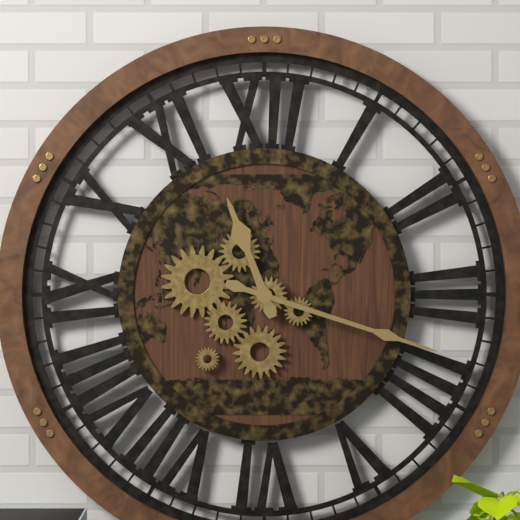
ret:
11:18
